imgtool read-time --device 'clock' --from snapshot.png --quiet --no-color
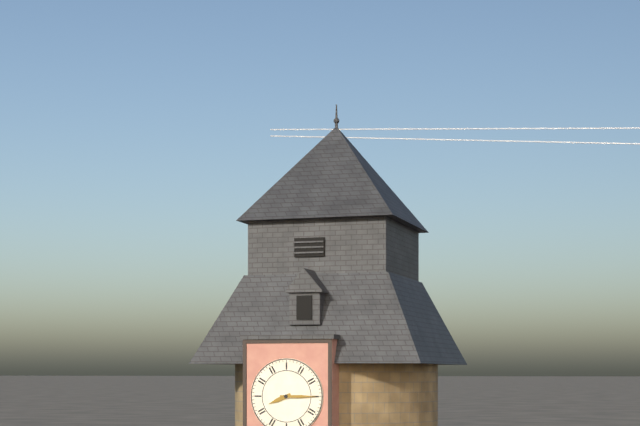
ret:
8:15
